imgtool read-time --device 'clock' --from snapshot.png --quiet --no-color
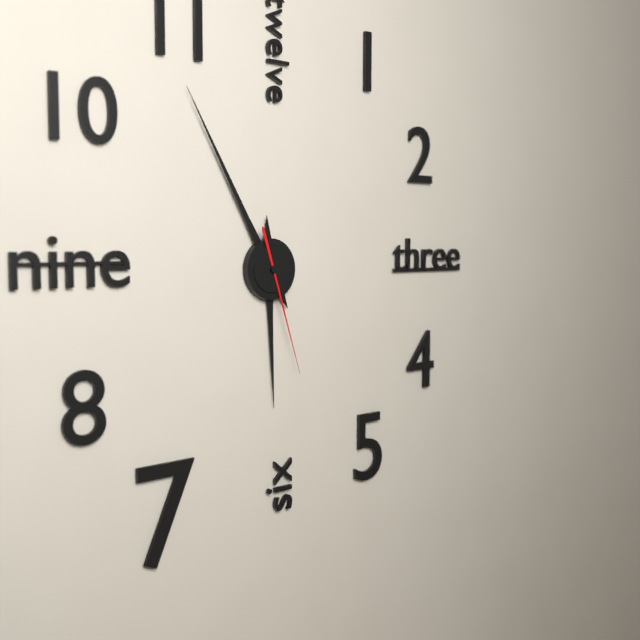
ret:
5:55:27
